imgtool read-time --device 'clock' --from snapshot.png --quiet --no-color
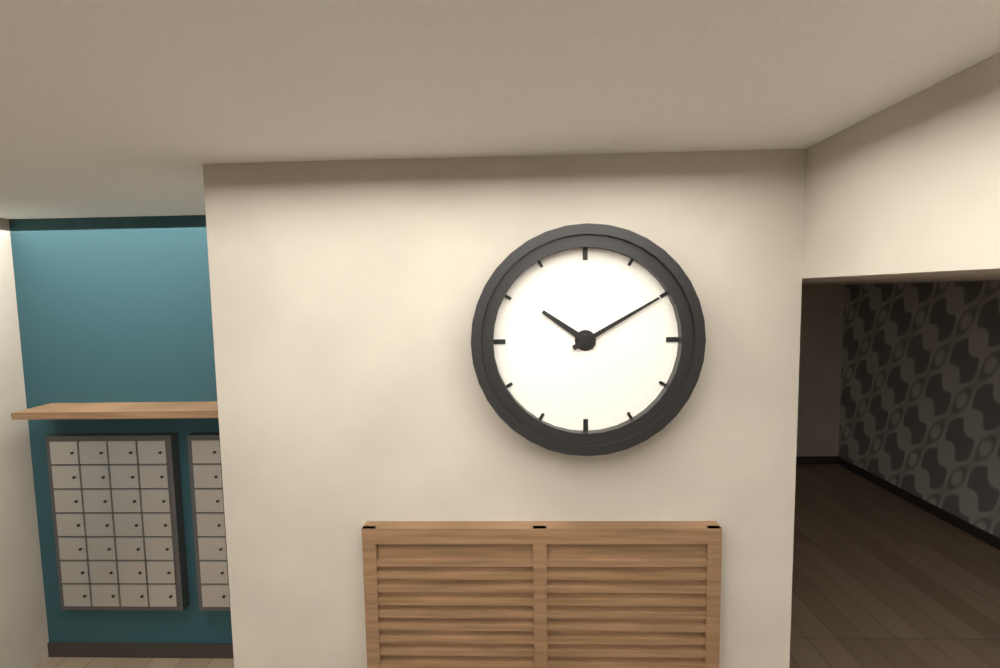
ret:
10:10
